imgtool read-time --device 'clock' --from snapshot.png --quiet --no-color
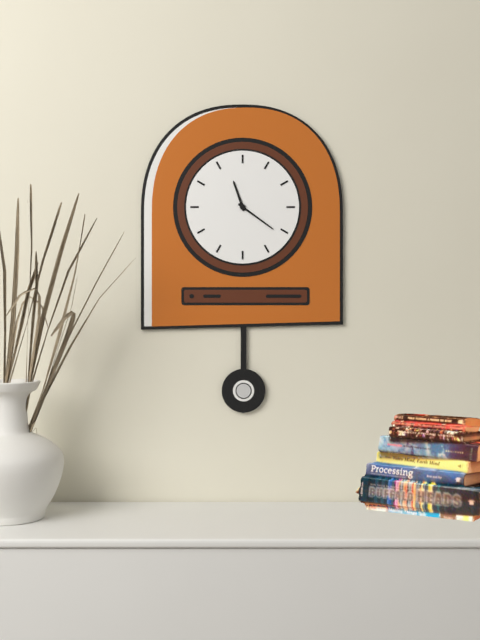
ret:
11:21
